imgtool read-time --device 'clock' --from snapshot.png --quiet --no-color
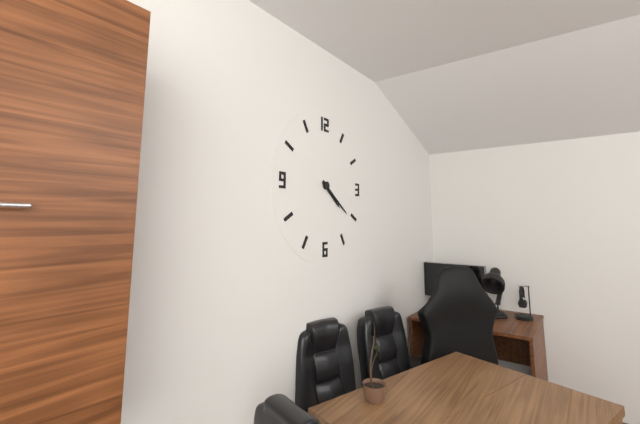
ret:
4:21
